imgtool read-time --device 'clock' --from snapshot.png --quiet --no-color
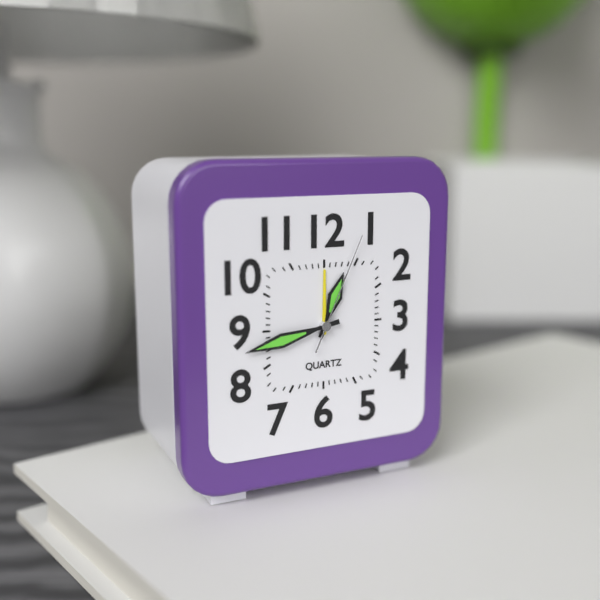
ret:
12:43:04
